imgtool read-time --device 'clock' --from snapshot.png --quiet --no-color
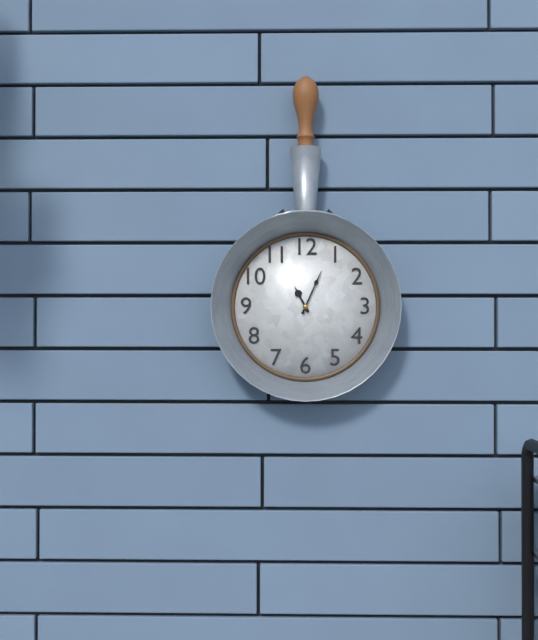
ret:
11:04
